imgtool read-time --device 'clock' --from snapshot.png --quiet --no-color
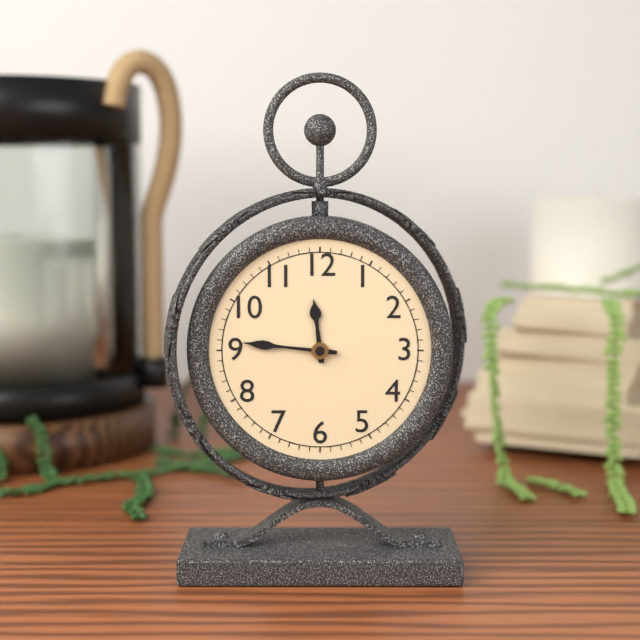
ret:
11:46
